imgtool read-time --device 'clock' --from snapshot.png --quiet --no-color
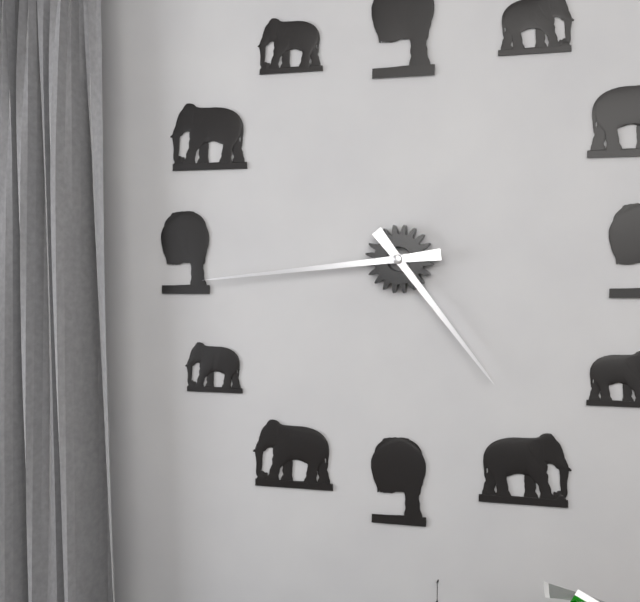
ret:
4:44
